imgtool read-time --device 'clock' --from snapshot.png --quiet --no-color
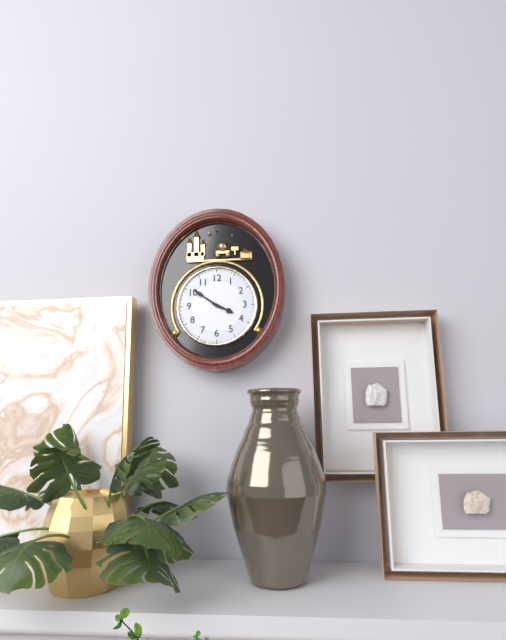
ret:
3:51
